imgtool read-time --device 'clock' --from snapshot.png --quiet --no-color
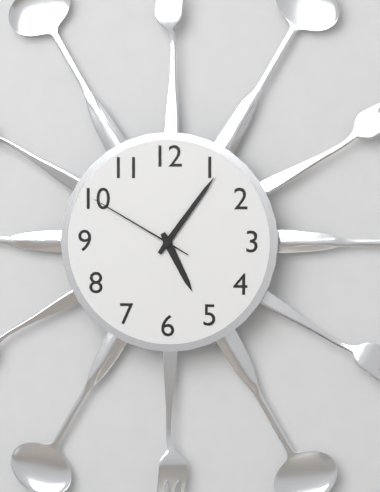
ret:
5:06:50
